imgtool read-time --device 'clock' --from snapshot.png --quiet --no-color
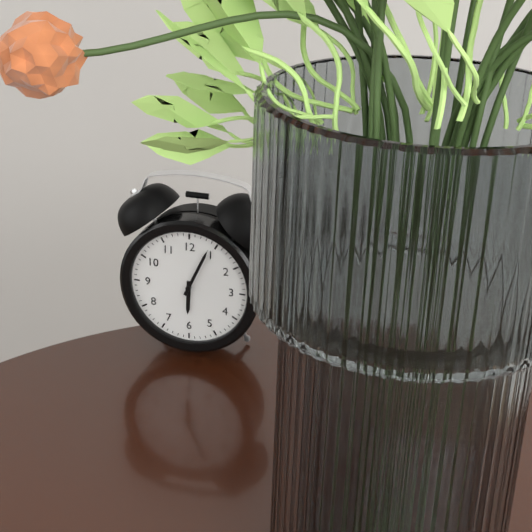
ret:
6:04
